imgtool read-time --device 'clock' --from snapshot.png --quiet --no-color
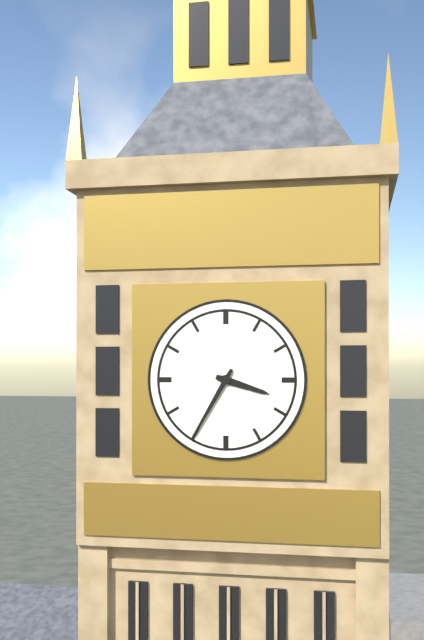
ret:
3:35
